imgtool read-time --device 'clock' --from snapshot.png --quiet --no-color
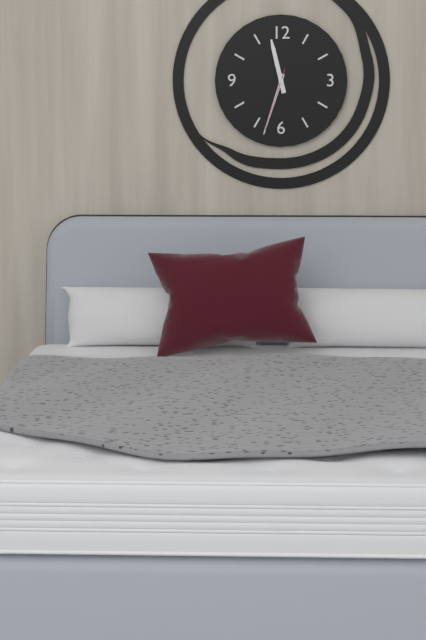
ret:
11:33:33
